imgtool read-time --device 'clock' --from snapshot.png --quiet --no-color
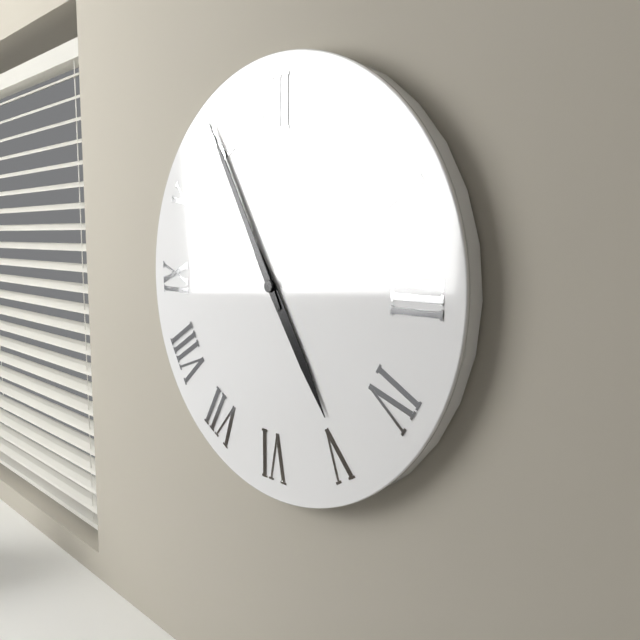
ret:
4:55
